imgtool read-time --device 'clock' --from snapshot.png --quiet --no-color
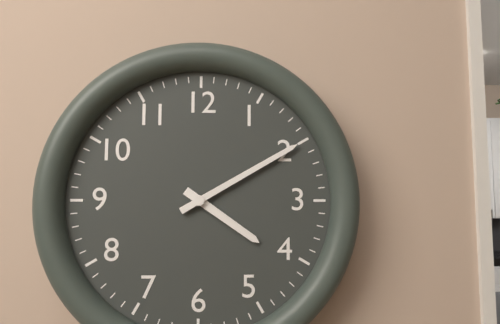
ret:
4:10
